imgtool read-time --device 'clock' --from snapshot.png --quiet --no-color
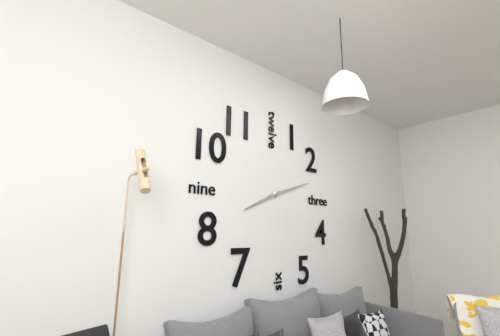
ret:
8:12
